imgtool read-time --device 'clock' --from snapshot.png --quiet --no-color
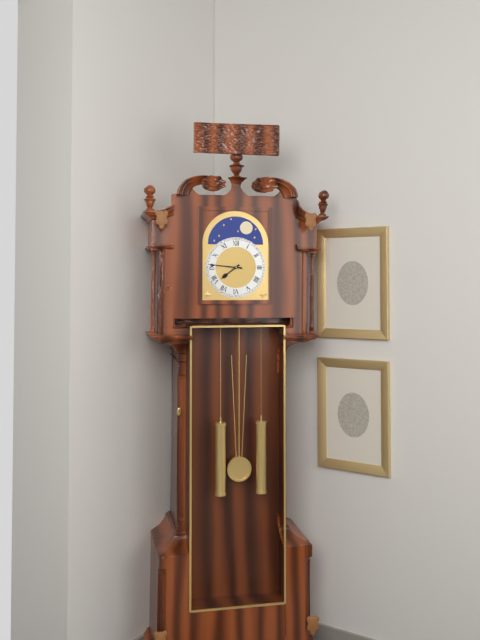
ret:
7:46
